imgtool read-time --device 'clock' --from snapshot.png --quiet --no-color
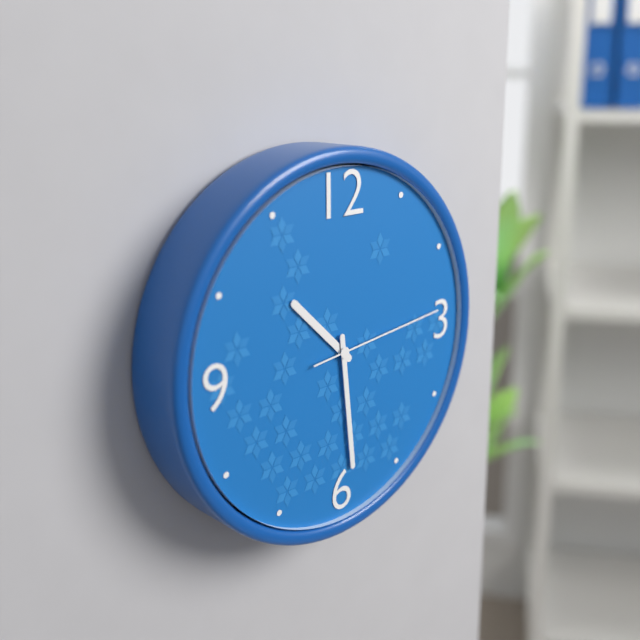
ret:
10:29:14
